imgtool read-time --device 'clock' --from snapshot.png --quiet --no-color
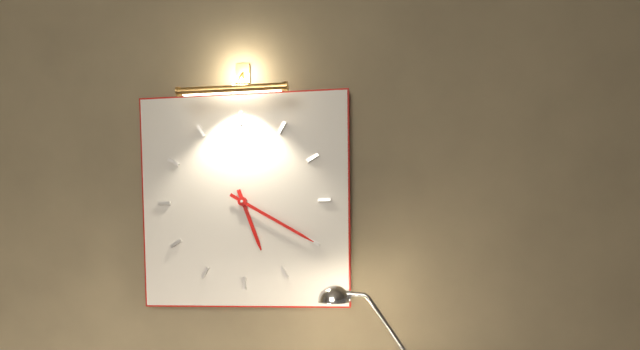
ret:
5:20
